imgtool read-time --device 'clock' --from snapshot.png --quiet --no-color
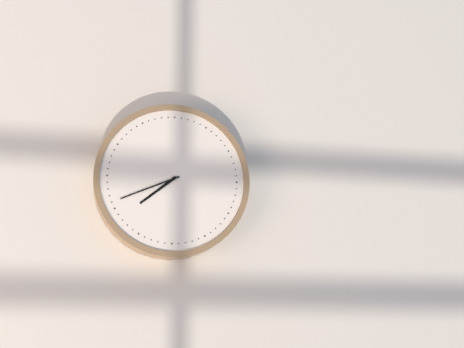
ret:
7:41
